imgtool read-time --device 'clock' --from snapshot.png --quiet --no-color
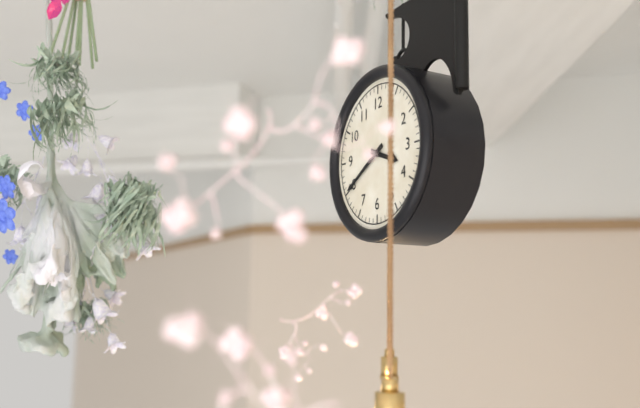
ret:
3:40
